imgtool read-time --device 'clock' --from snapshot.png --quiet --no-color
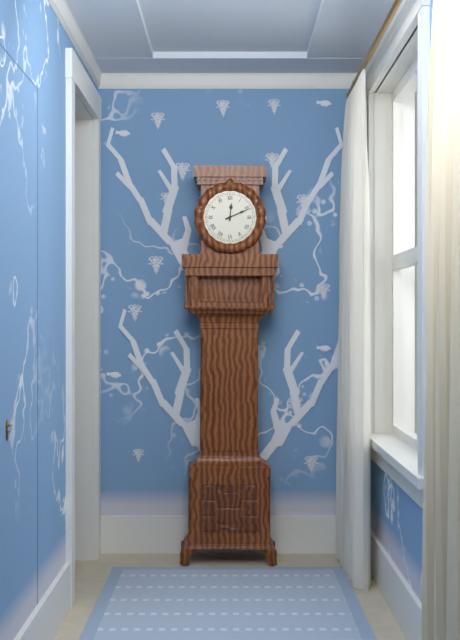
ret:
12:11
